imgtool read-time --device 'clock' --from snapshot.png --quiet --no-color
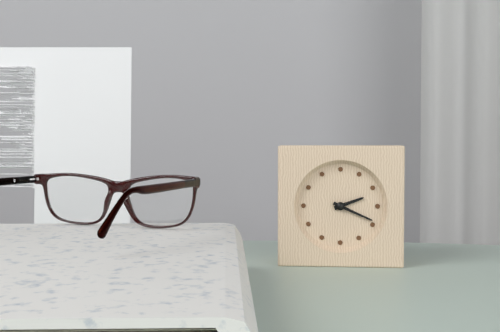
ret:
2:19
